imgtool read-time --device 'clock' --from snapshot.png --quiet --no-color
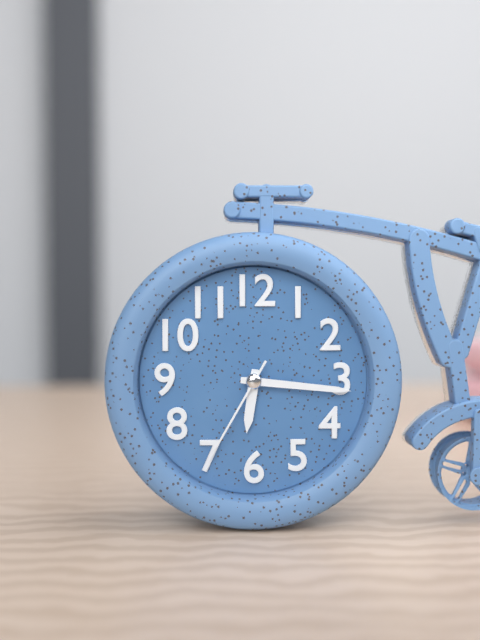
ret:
6:16:35
